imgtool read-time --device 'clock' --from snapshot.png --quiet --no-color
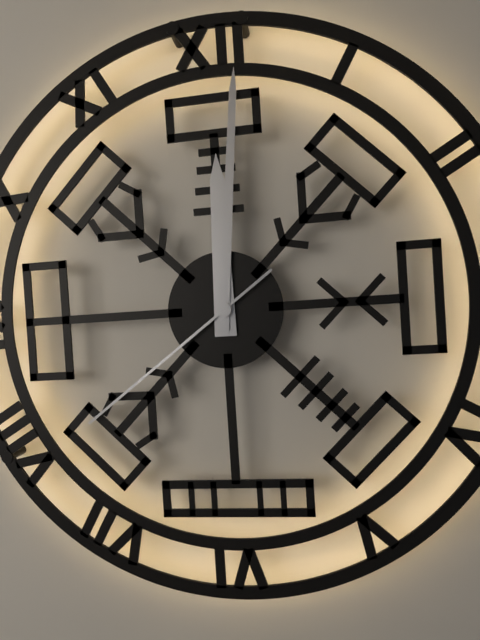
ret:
12:01:39
